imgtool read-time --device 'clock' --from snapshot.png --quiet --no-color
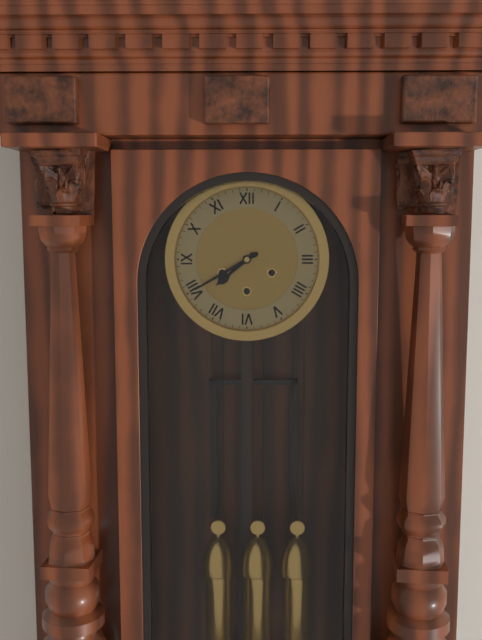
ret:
7:40
